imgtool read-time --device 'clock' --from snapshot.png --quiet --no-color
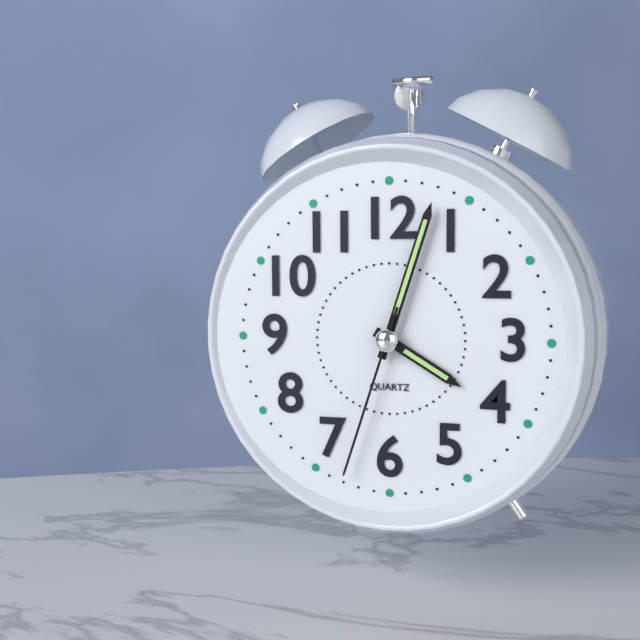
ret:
4:03:33
